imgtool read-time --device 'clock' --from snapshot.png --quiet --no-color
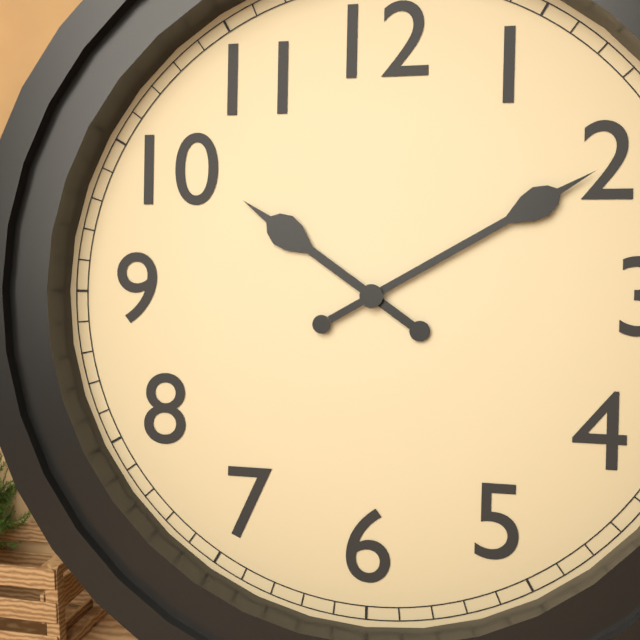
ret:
10:10
